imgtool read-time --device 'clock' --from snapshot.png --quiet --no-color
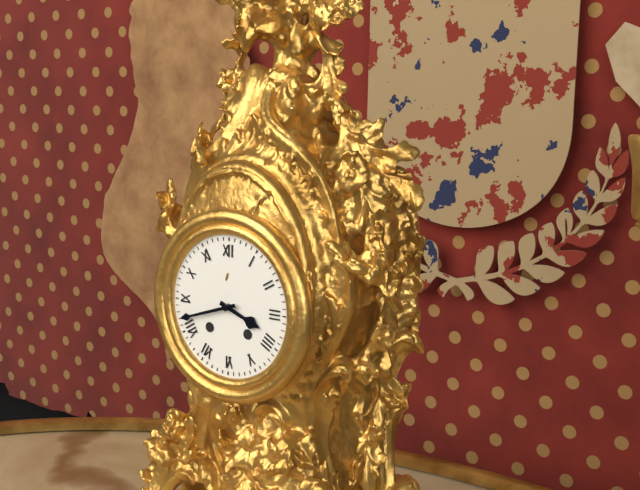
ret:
3:42
